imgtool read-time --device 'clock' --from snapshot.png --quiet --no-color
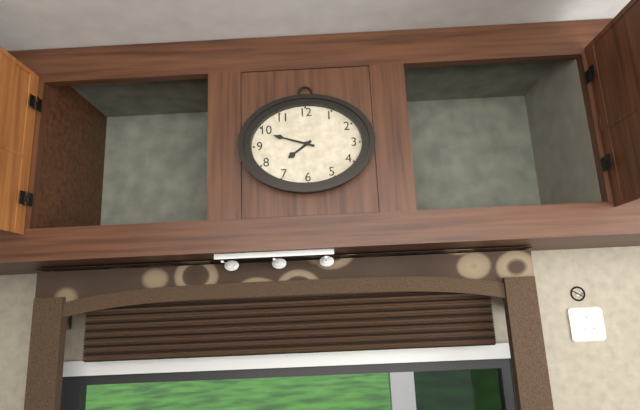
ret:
7:48
